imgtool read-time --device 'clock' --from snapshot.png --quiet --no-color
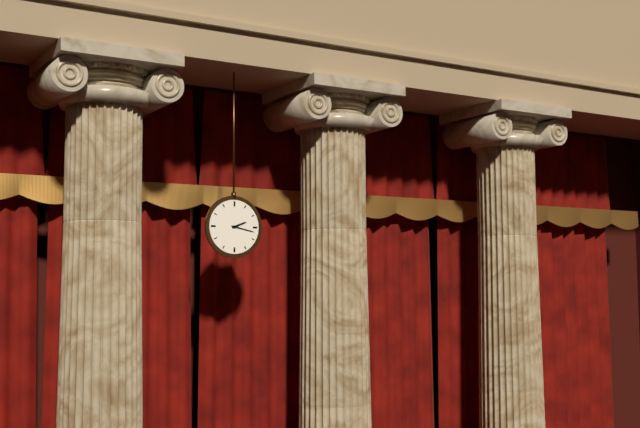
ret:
2:17
